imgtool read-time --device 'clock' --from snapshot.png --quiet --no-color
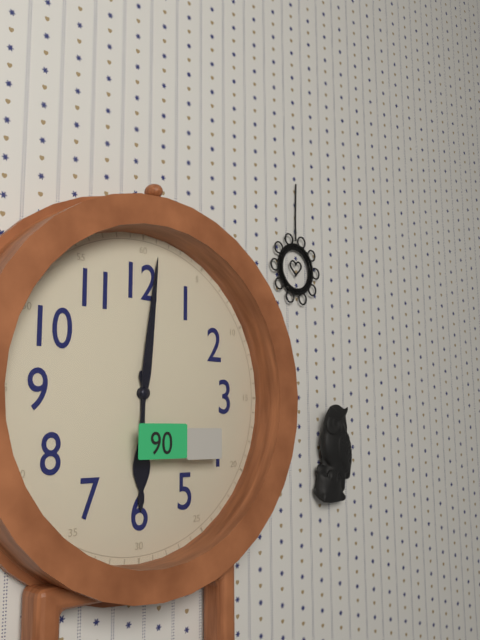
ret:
6:01
